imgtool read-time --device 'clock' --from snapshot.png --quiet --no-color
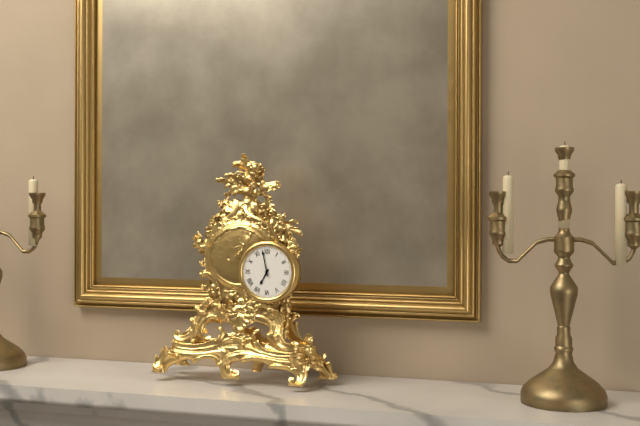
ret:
6:58
